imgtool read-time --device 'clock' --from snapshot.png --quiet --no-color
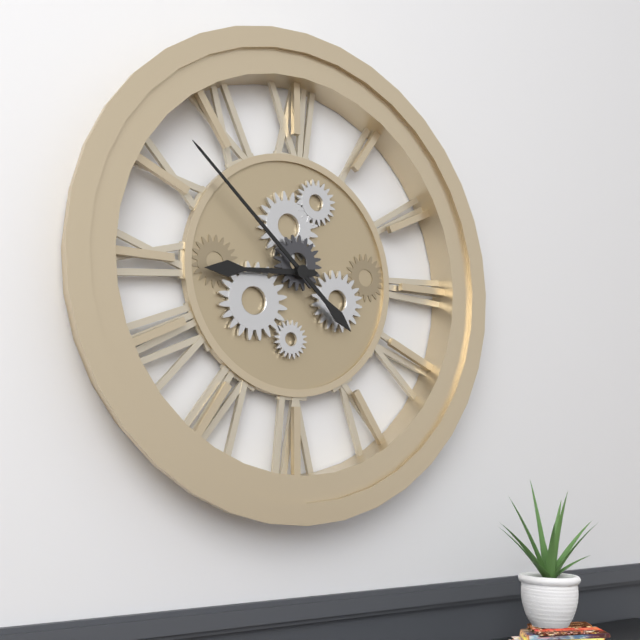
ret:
8:52
